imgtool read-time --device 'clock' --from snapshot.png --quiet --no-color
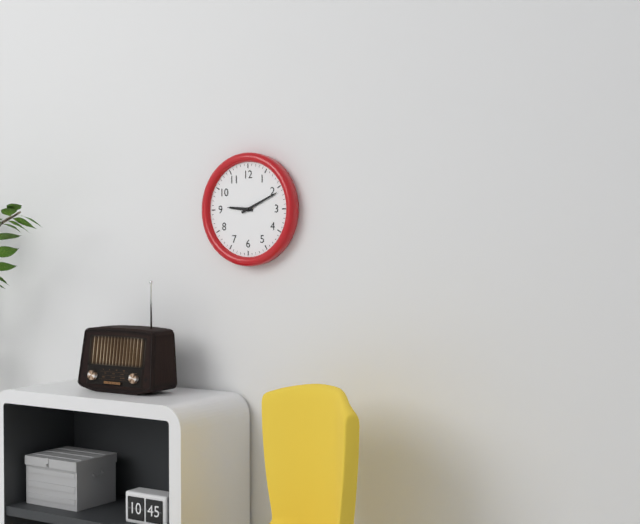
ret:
9:11
